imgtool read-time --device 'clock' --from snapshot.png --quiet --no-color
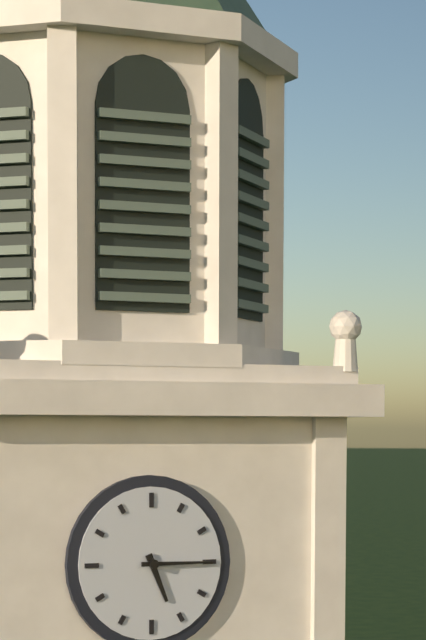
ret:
5:15
